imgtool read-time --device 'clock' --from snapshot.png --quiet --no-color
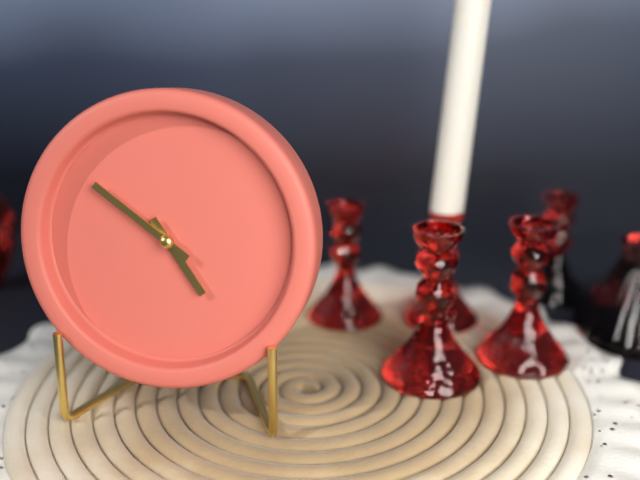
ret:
4:51
